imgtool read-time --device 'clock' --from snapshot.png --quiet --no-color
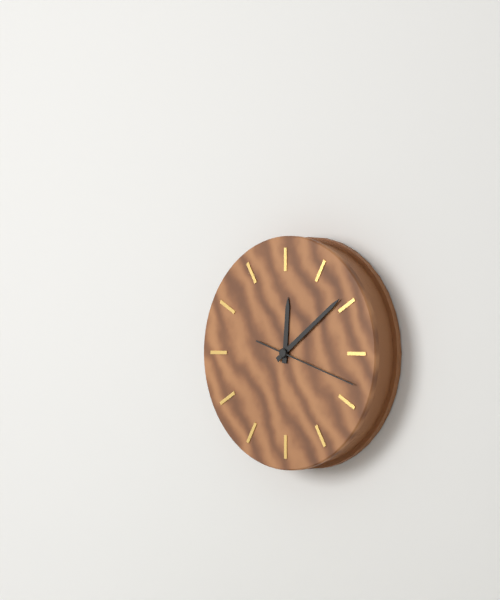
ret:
12:09:18
